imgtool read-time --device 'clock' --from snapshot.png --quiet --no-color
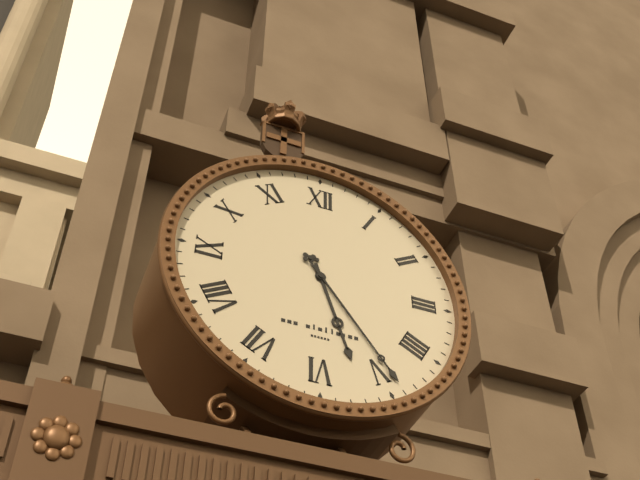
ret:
5:24
